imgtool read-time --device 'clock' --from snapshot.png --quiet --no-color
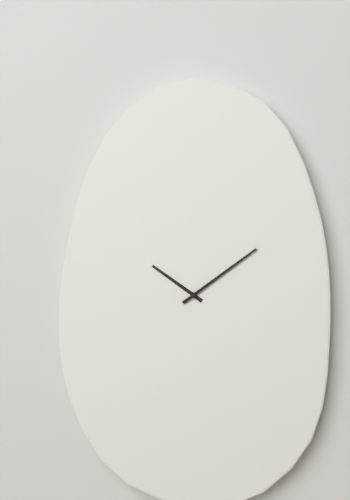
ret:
10:09
